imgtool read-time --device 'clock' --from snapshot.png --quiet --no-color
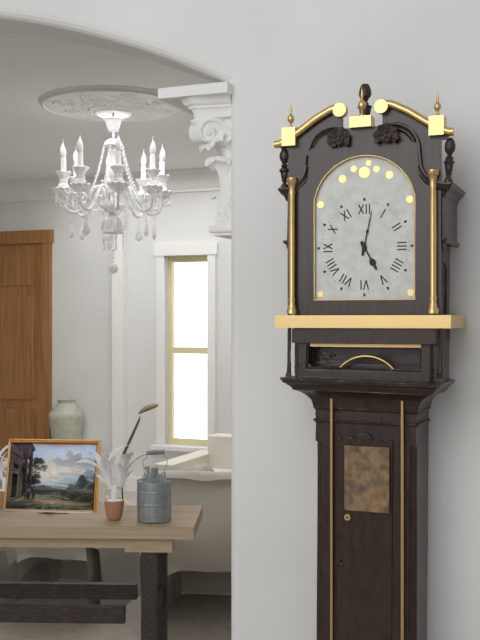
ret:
5:02
